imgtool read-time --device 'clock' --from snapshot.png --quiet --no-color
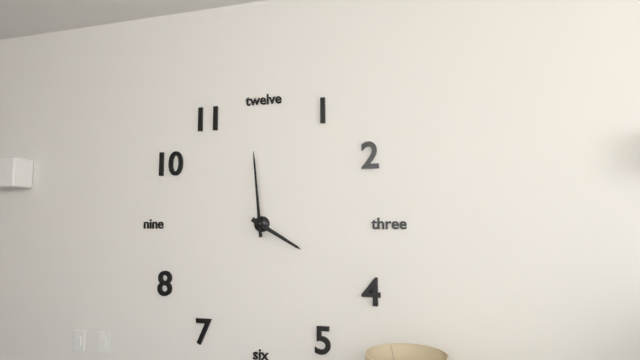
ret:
3:59
